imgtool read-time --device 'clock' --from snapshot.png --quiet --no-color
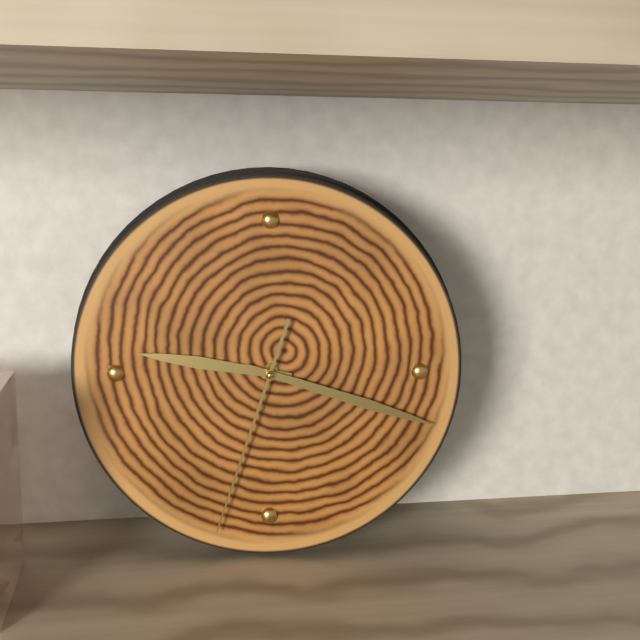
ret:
9:18:33
